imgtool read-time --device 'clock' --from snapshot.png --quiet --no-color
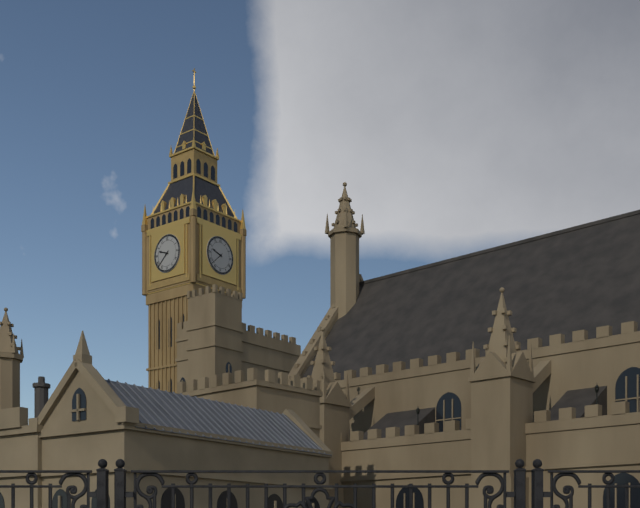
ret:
9:38
